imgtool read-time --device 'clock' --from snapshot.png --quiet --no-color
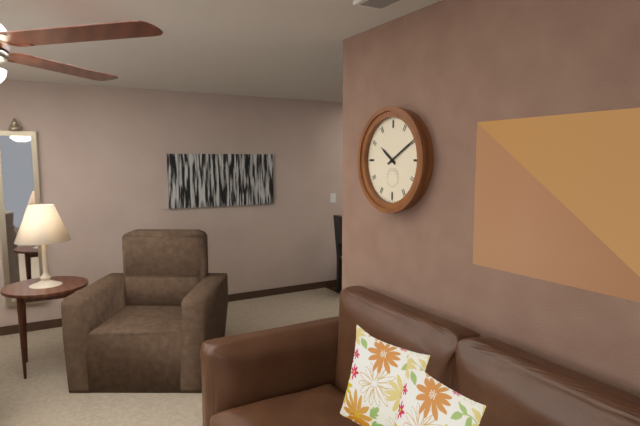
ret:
10:10
